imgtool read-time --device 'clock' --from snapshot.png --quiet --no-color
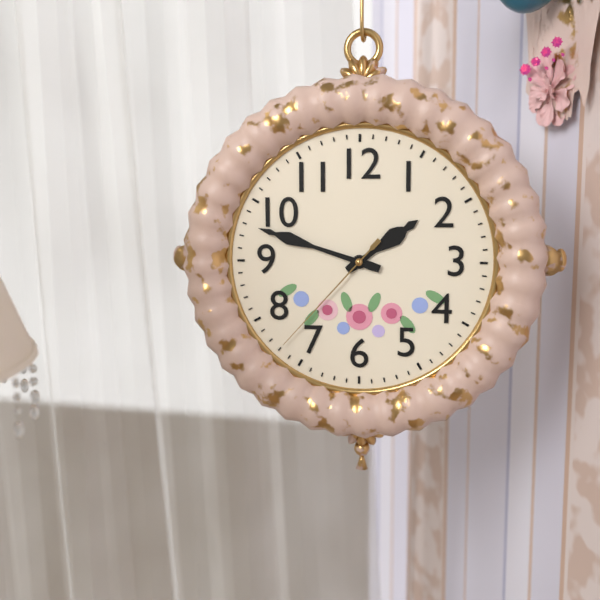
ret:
1:48:37
